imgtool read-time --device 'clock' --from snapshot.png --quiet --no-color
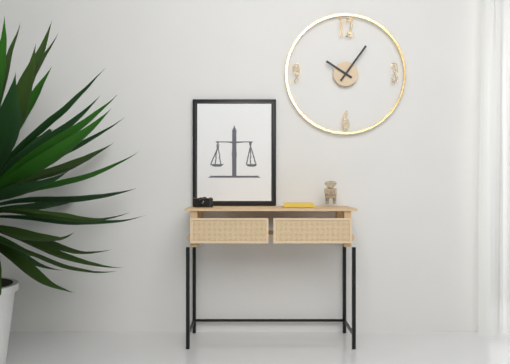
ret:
10:06
